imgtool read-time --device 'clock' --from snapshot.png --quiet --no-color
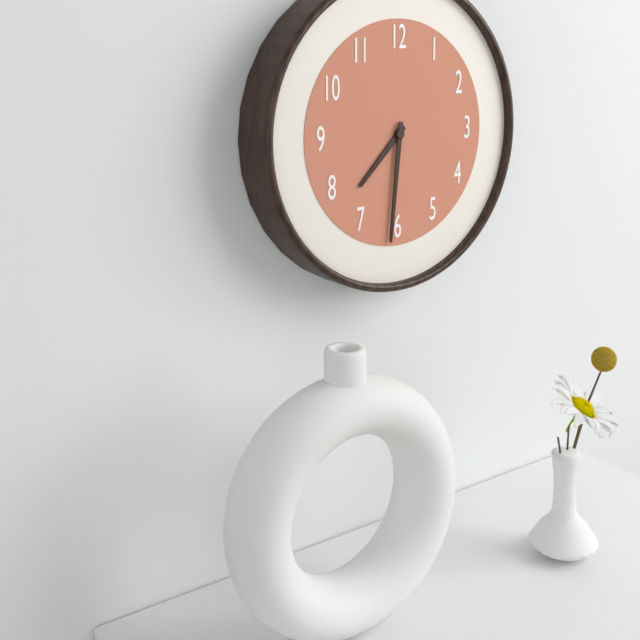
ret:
7:31
